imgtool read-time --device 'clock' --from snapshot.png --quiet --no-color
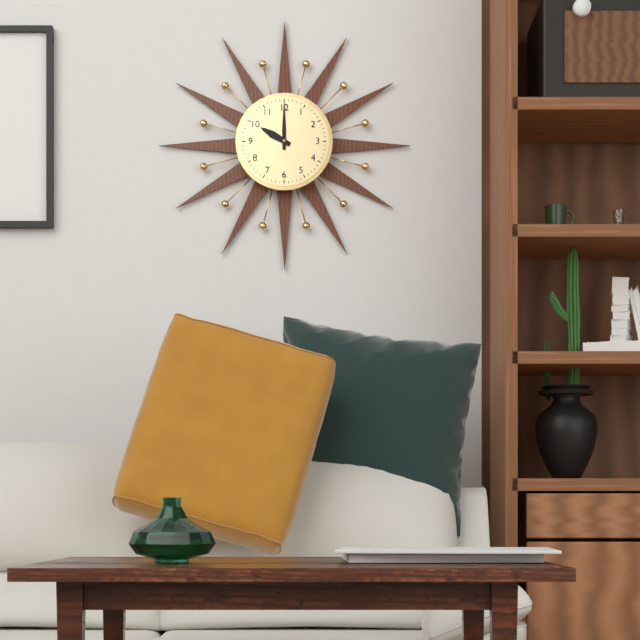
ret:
10:00
